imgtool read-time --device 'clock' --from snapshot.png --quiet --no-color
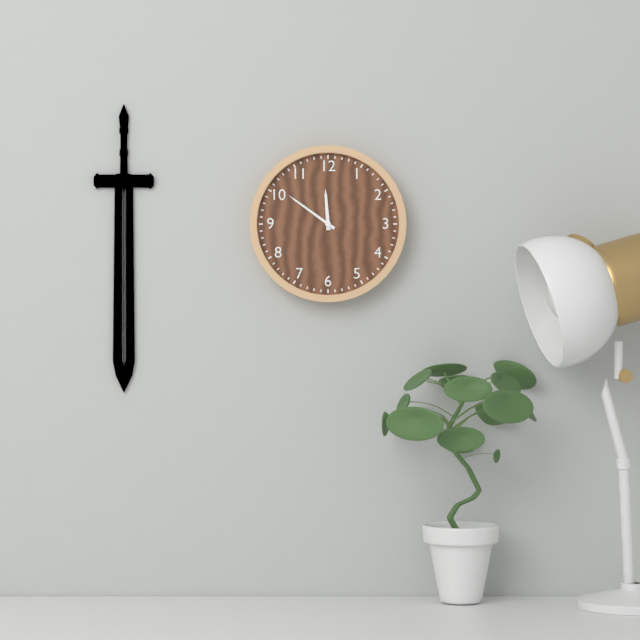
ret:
11:51
